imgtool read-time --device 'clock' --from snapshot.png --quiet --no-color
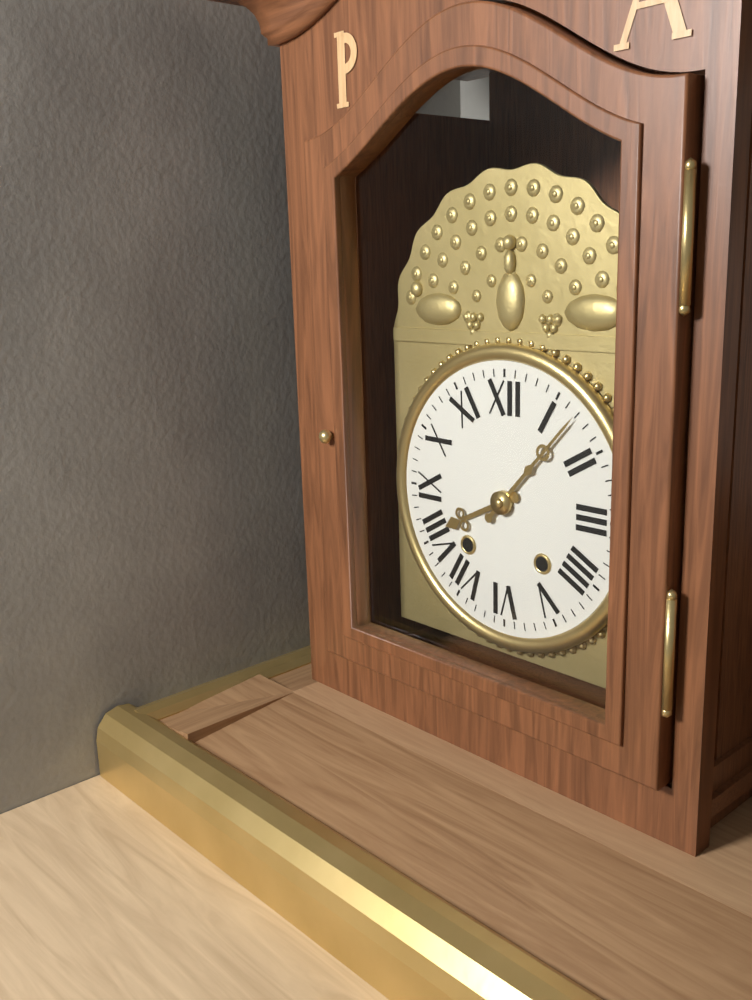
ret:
8:07
